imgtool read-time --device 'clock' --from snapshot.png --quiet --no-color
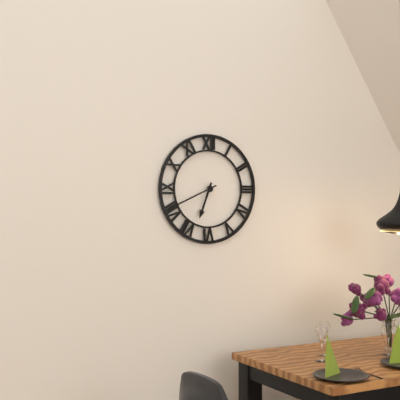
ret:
6:41
